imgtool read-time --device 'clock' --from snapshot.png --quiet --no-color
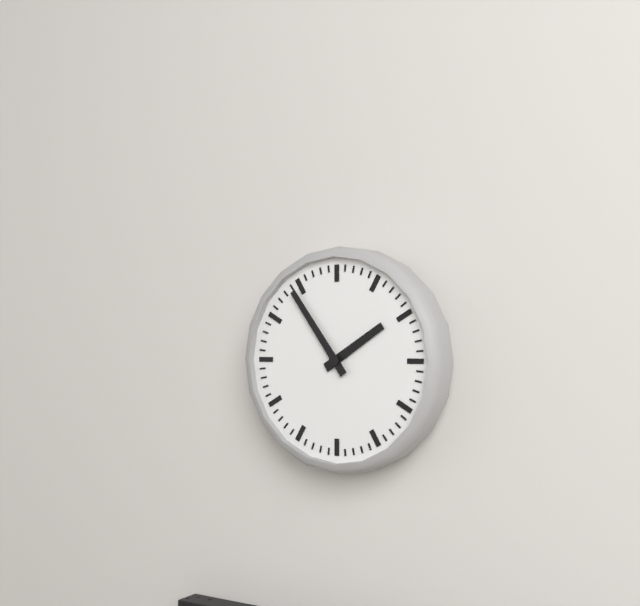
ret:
1:54
